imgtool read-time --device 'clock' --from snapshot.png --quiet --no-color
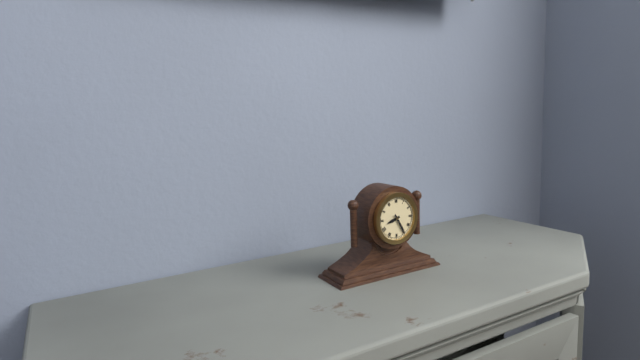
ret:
8:25
